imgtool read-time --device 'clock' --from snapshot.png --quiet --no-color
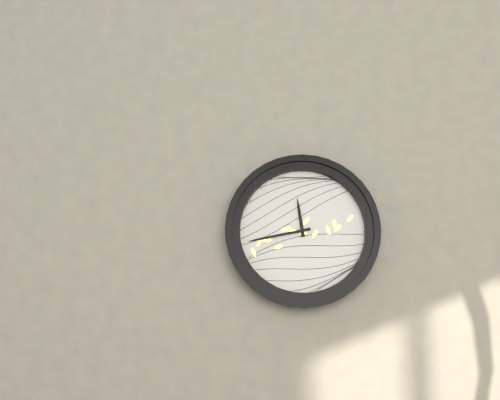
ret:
11:43
